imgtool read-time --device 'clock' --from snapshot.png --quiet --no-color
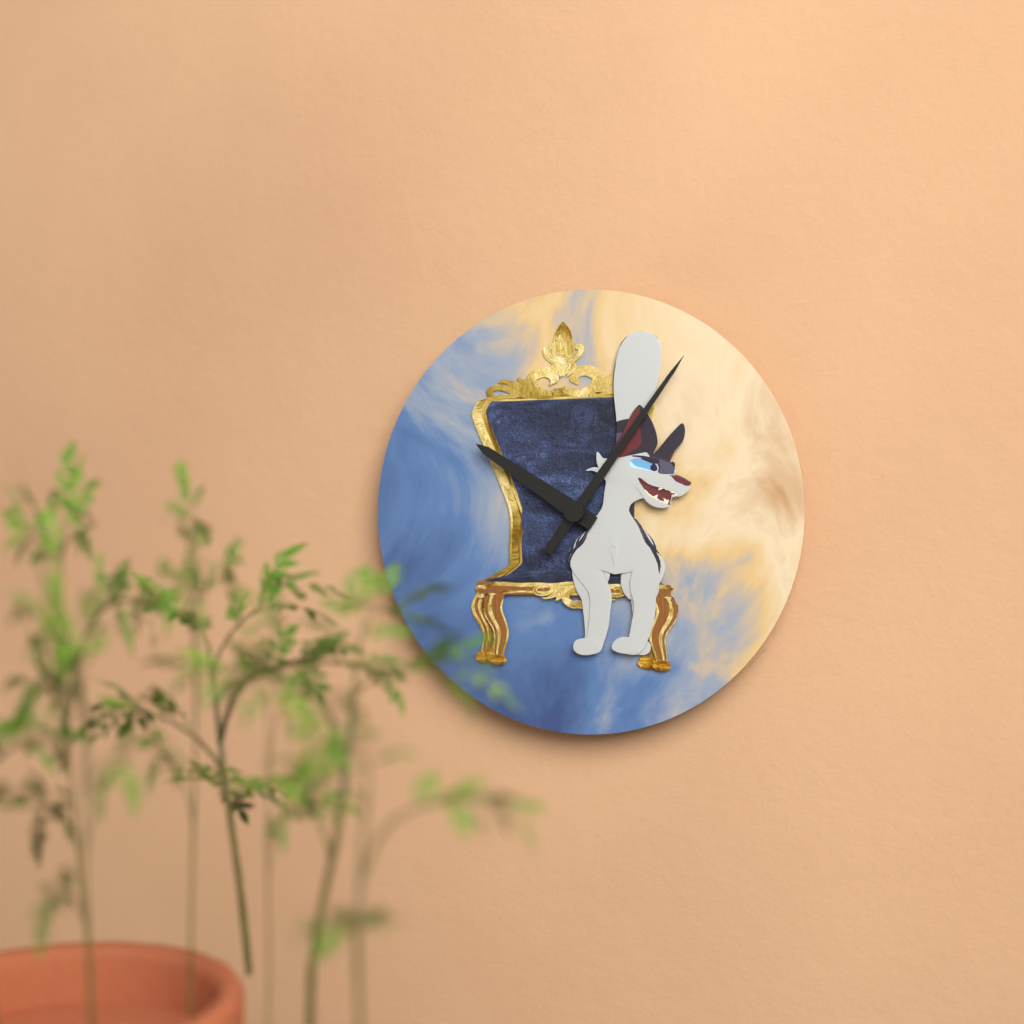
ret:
10:06
